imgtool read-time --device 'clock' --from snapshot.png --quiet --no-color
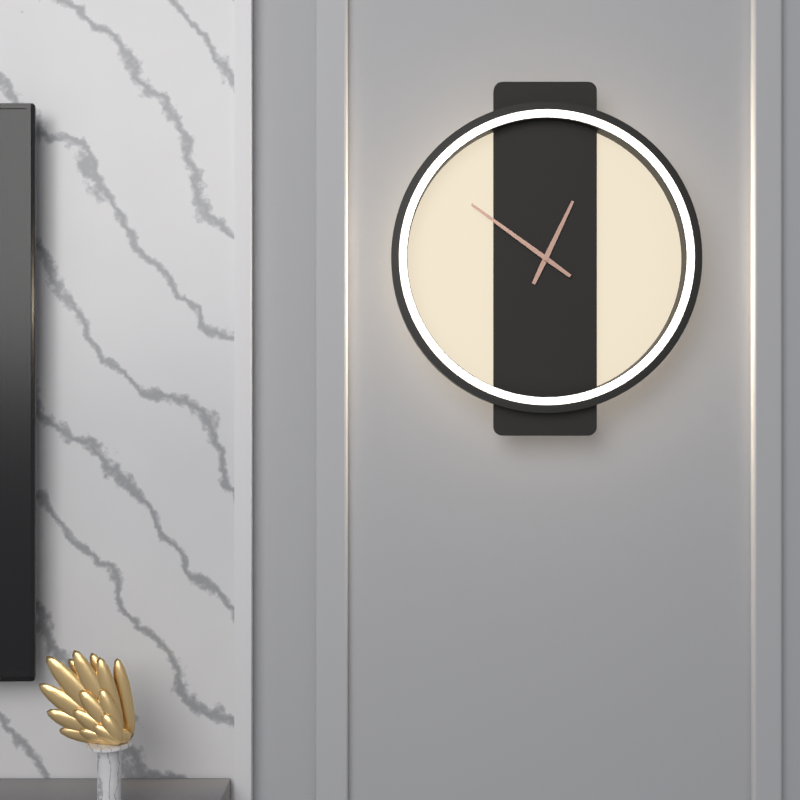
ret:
12:51
